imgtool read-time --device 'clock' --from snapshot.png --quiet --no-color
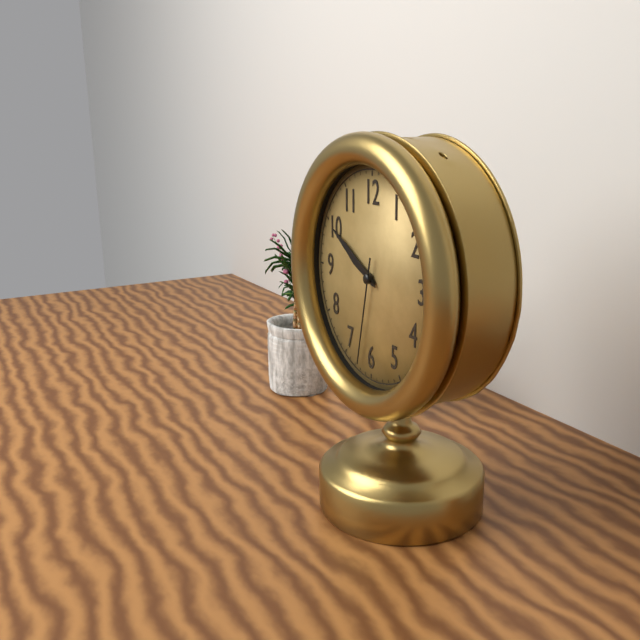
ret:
9:50:32
